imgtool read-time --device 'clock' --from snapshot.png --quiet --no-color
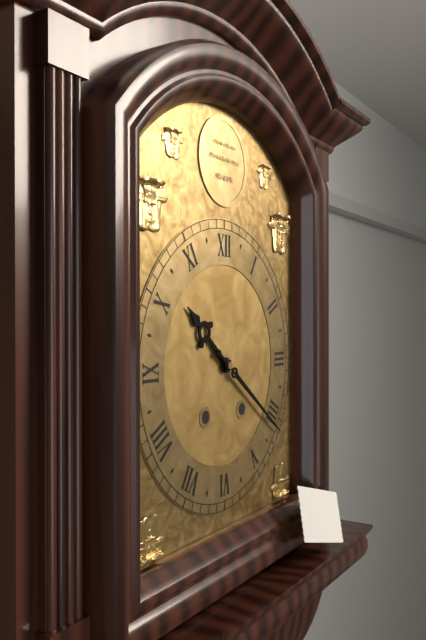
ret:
10:21
